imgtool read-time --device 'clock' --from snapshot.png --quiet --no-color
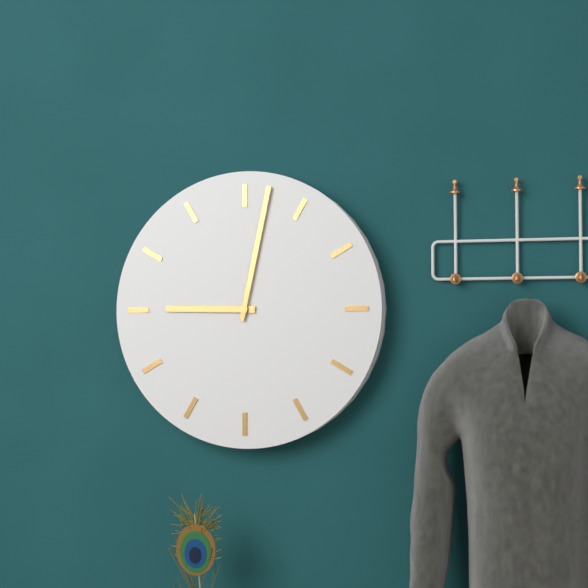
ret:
9:02
